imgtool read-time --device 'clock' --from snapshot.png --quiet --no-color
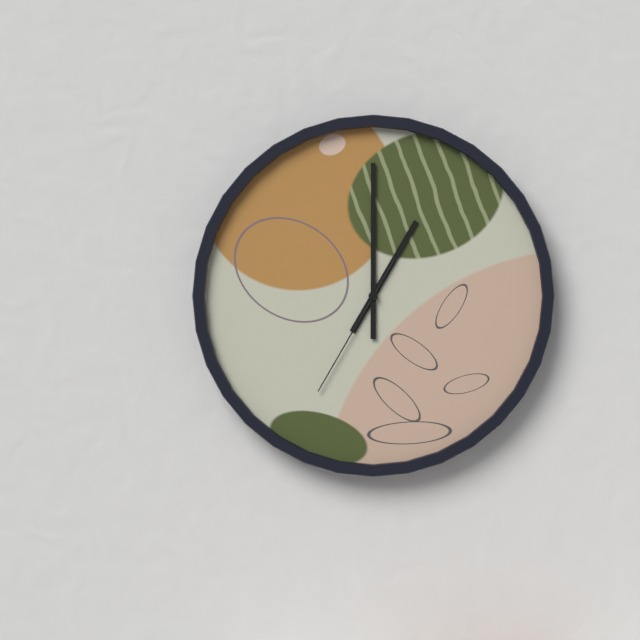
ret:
1:00:35
